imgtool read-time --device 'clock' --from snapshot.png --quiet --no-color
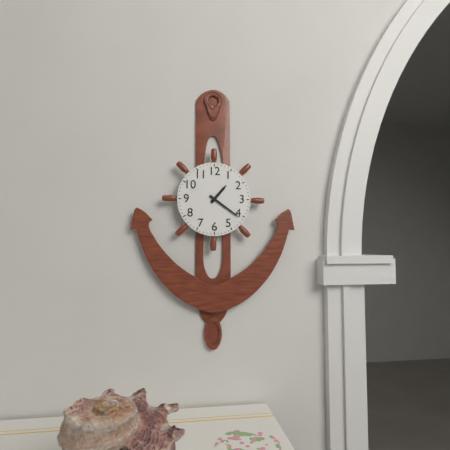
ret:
1:21
